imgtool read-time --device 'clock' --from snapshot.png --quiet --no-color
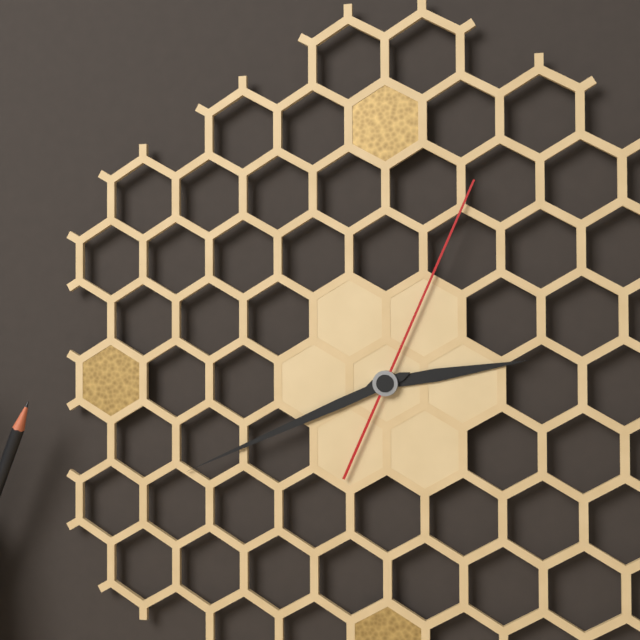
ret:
2:41:04
